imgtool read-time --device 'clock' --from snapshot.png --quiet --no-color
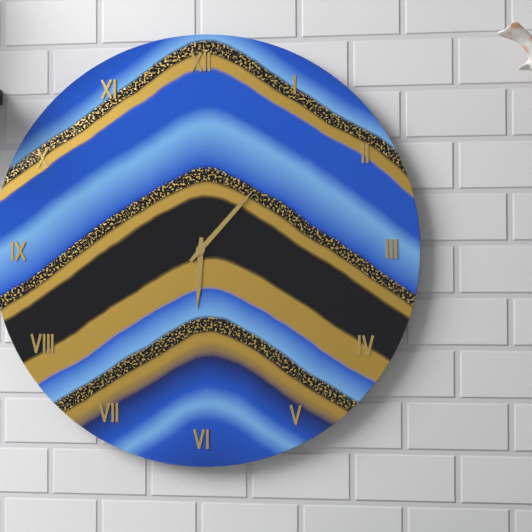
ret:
6:07
